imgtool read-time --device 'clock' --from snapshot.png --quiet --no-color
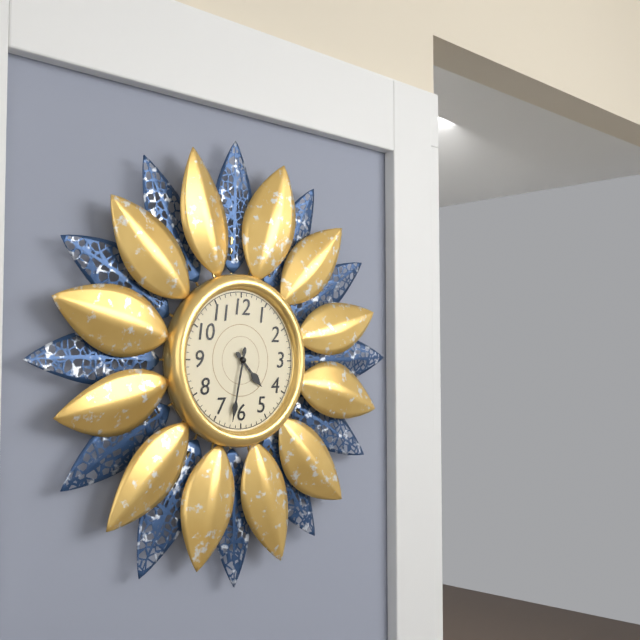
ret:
4:32
